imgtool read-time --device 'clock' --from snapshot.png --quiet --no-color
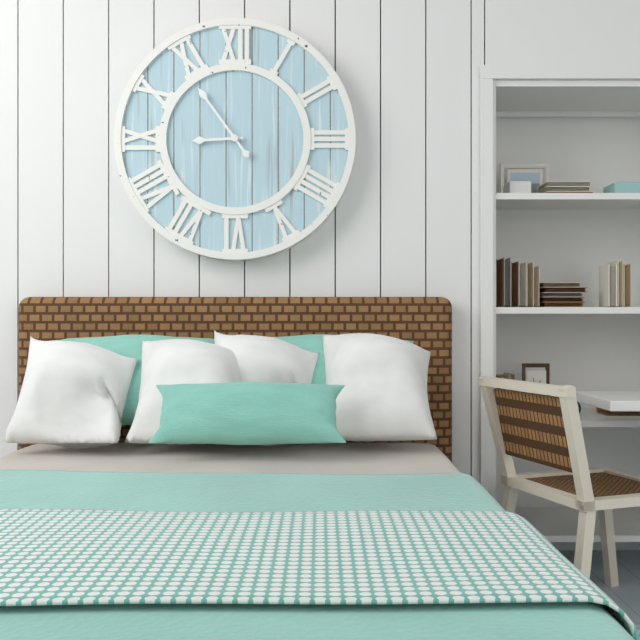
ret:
8:54
